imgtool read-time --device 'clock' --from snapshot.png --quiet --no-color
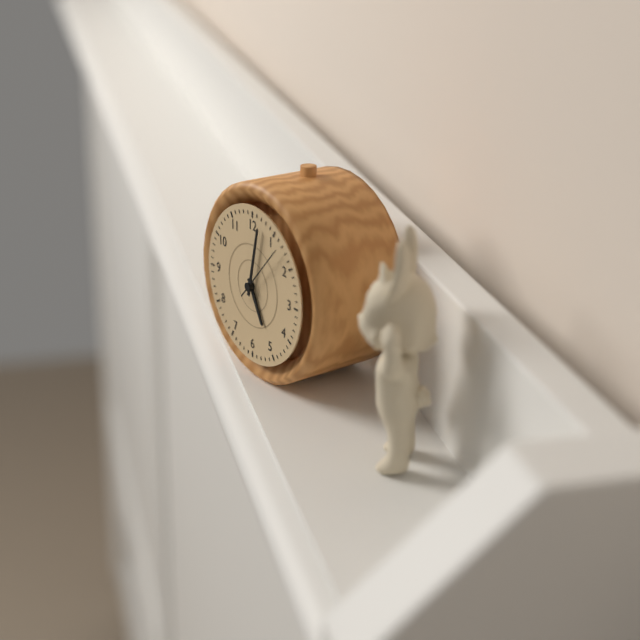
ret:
5:02:07
